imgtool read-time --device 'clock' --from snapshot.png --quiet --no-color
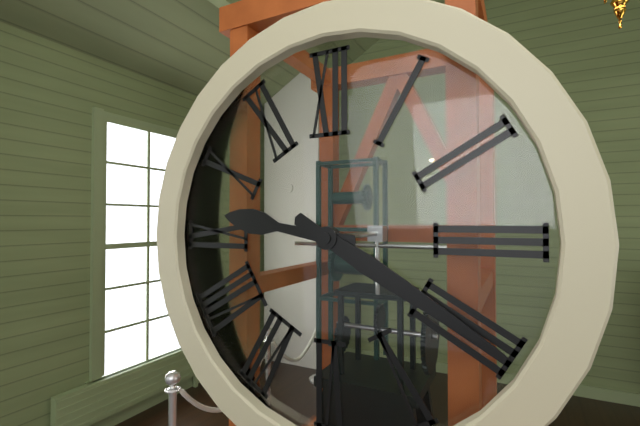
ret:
9:20
